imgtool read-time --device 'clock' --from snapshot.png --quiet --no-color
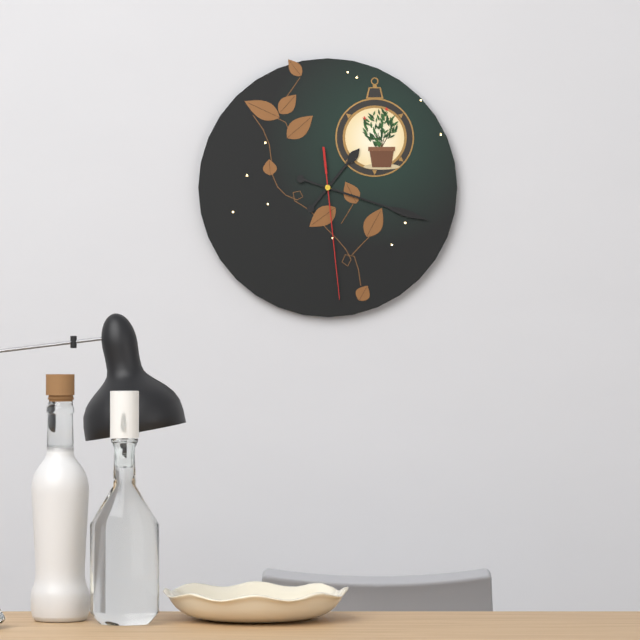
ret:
1:18:29
